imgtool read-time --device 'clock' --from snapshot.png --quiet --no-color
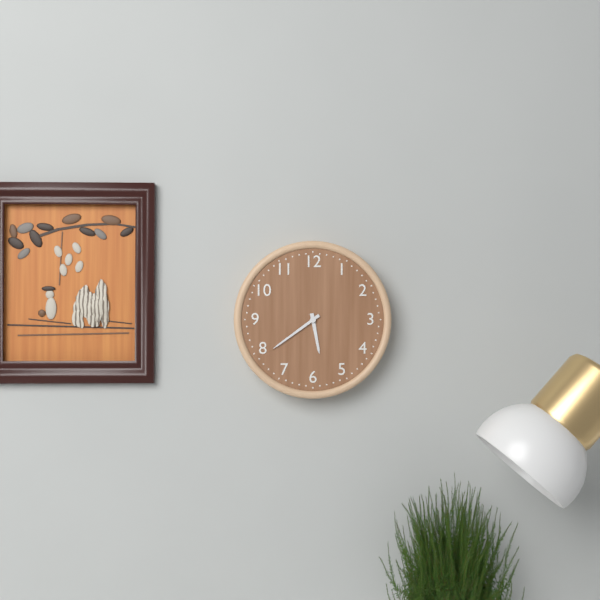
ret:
5:39
